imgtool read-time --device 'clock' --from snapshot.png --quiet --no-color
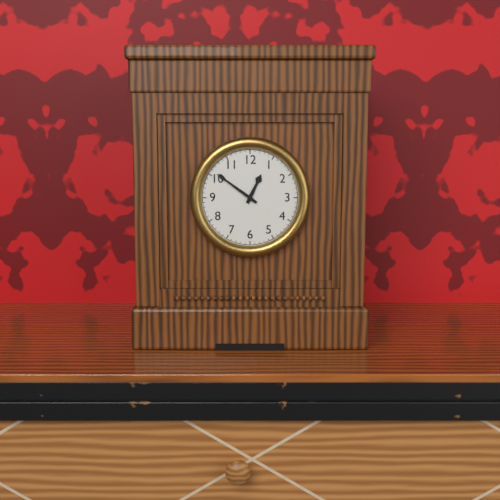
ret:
12:51
